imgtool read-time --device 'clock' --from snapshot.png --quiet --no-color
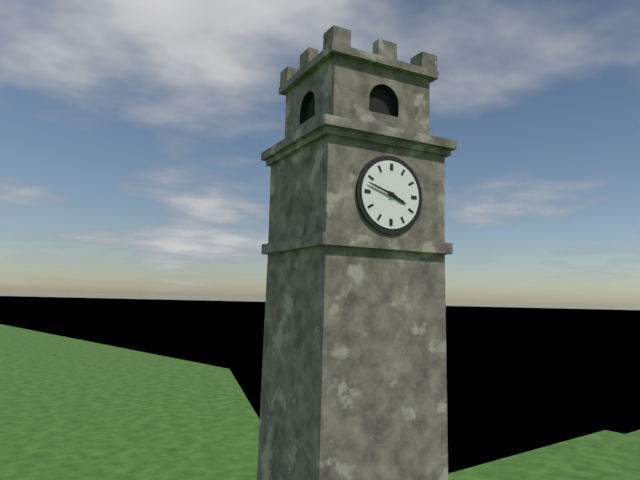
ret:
3:48
